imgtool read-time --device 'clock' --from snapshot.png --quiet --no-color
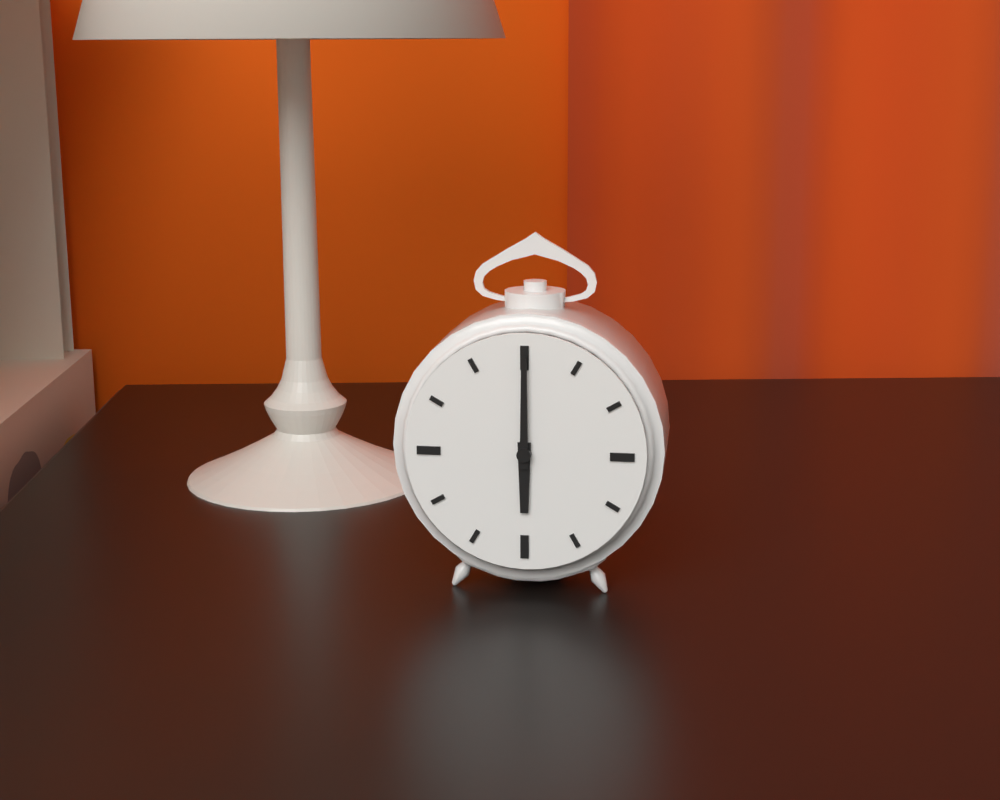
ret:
6:00
